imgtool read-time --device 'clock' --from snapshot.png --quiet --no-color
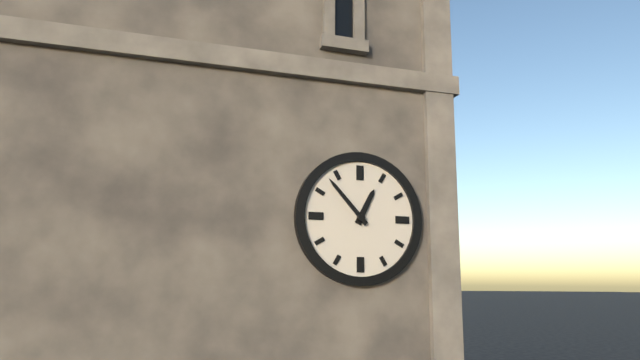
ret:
12:53
